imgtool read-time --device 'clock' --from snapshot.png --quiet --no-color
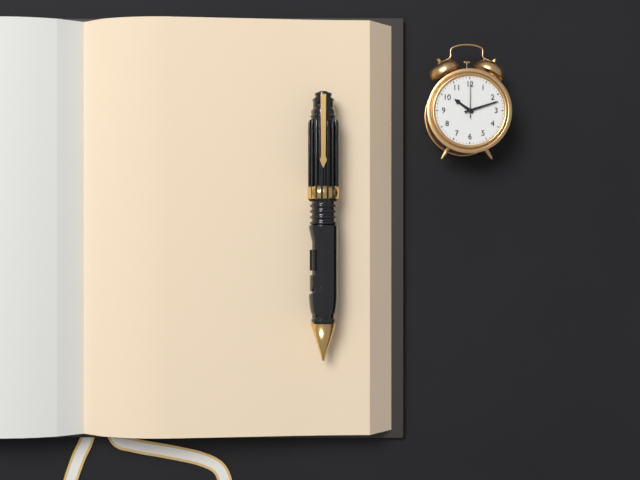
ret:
10:12
